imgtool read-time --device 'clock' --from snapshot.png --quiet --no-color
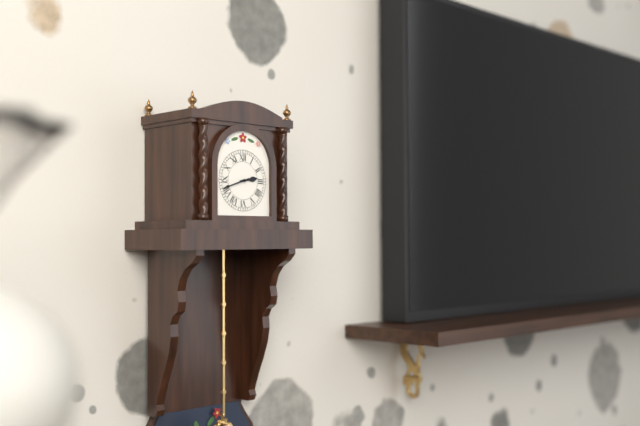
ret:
2:42
